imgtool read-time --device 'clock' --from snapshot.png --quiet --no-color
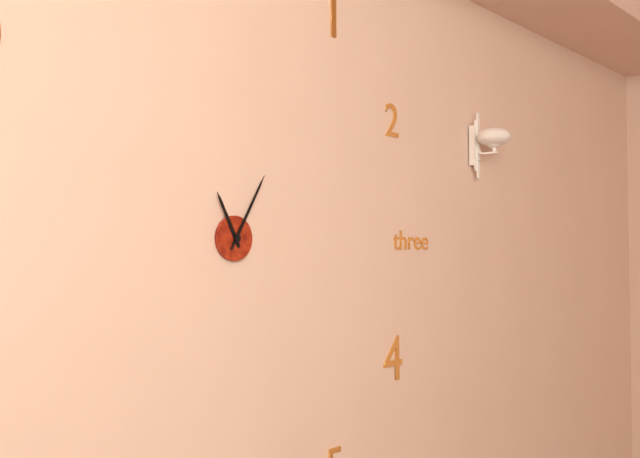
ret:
11:05
